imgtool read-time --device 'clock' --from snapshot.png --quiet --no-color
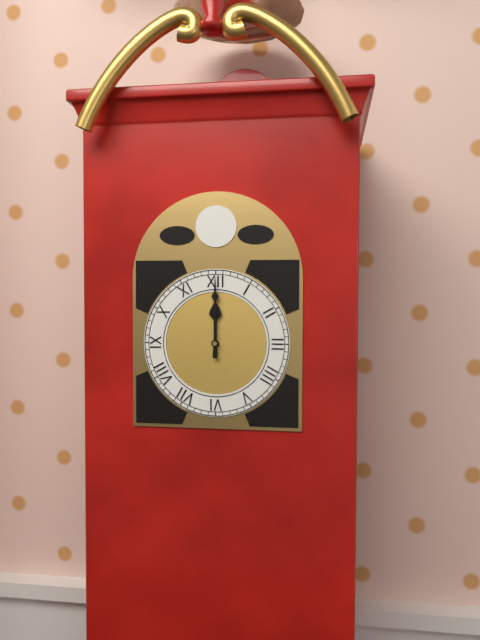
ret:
12:00
